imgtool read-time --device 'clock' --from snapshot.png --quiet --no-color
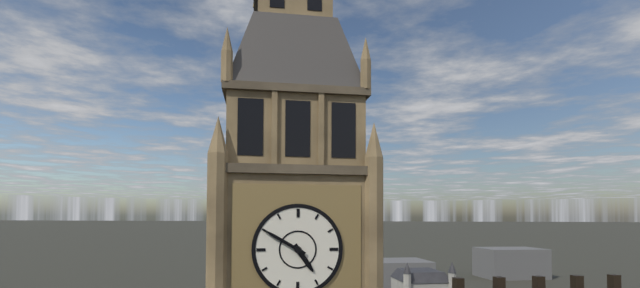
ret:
4:50
